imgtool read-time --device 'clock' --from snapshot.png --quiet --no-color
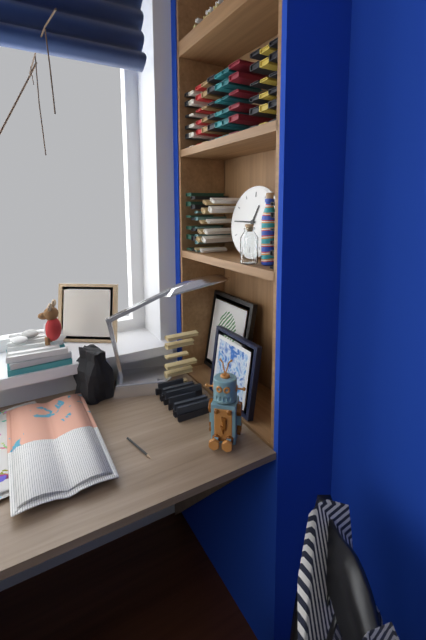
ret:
12:45
